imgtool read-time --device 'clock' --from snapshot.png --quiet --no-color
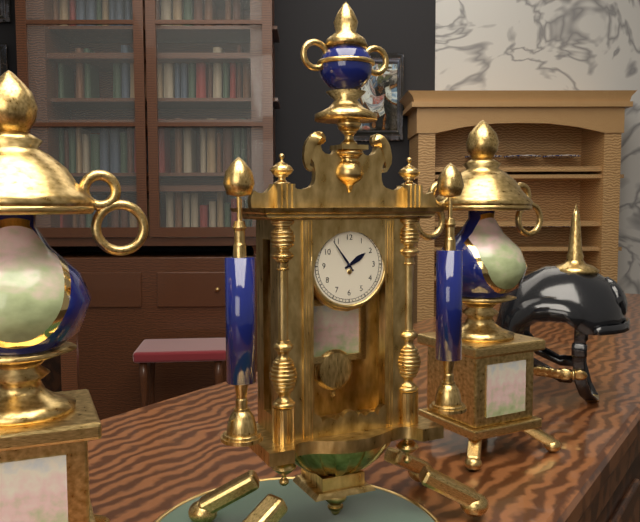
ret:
1:54
